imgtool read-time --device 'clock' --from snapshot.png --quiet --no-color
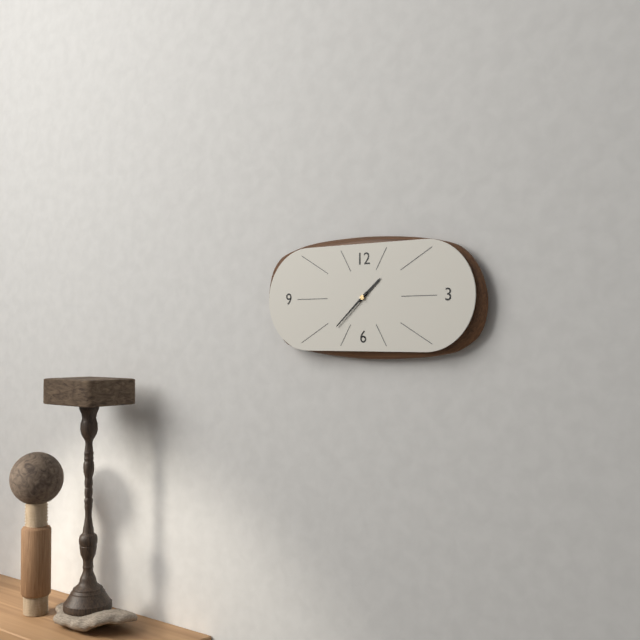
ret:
1:38
